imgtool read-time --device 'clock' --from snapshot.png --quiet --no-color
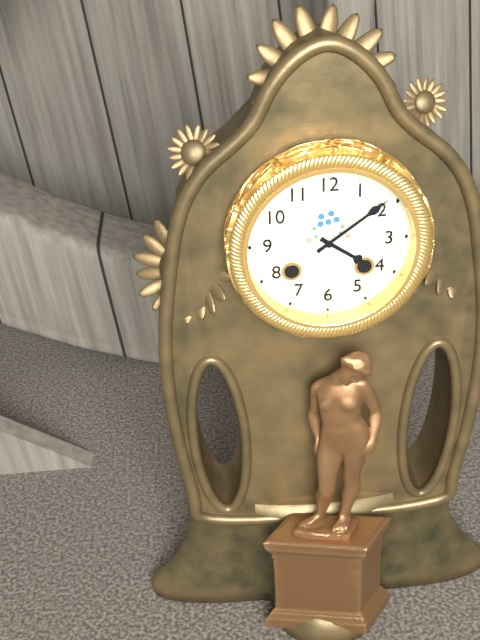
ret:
4:09
